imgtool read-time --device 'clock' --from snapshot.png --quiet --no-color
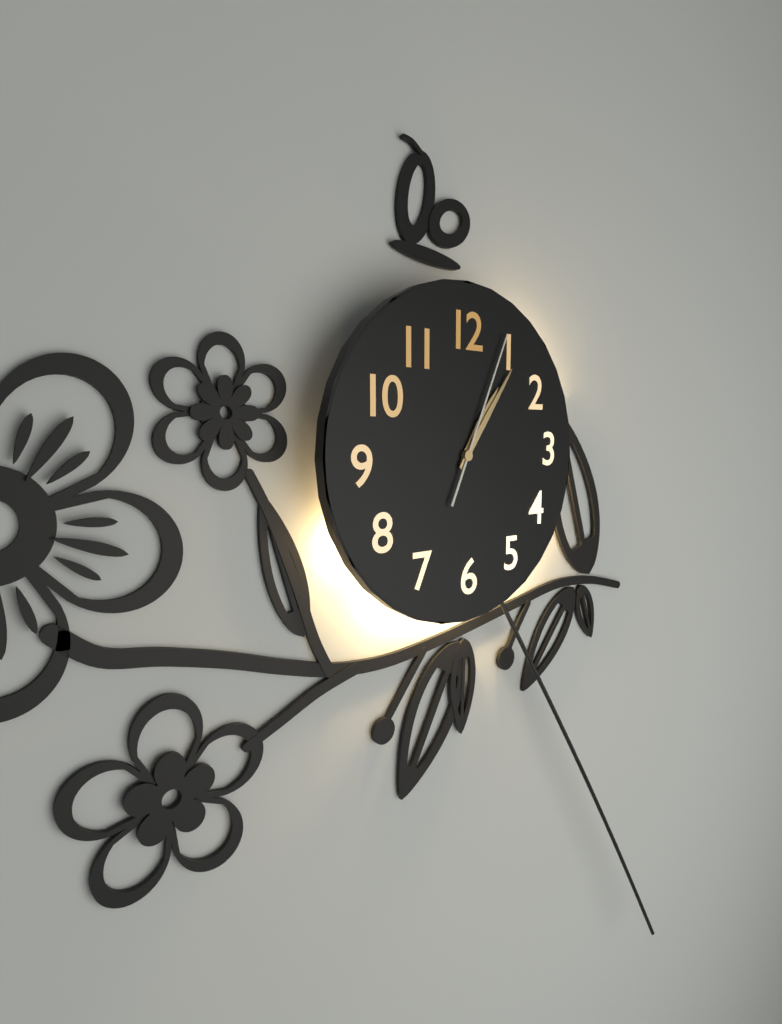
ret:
1:06:04
